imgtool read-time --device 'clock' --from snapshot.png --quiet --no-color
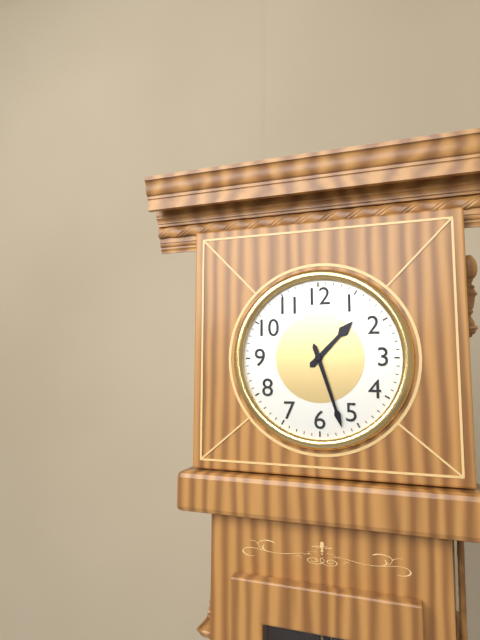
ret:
1:27
